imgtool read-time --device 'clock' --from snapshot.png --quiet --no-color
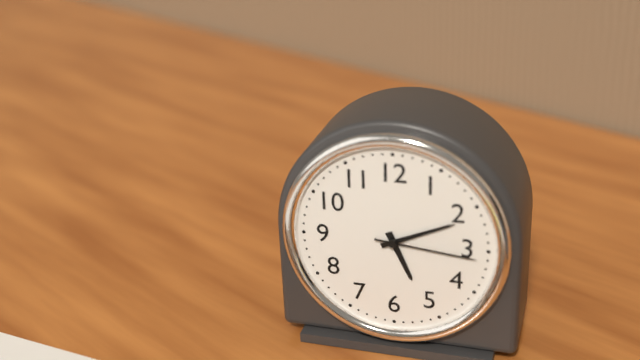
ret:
5:11:16
